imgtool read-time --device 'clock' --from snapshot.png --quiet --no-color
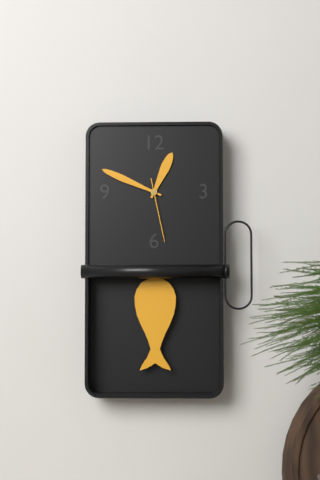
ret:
12:49:28
